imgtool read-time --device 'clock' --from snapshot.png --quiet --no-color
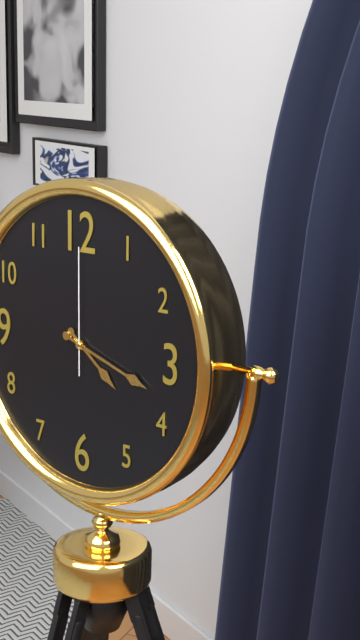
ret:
4:18:00
